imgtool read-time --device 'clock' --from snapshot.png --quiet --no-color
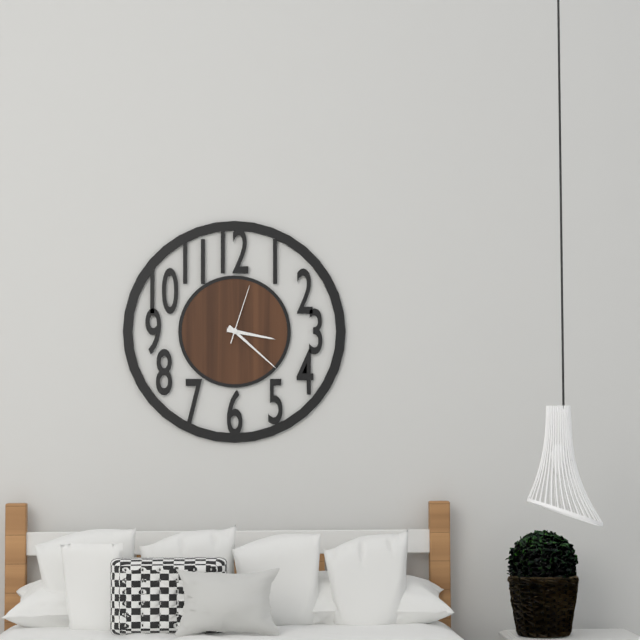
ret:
3:22:03
